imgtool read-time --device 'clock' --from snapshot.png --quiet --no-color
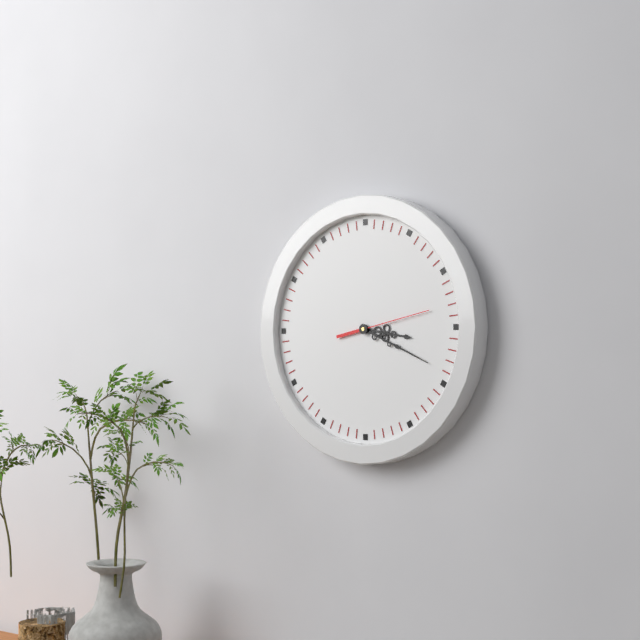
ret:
3:19:13
